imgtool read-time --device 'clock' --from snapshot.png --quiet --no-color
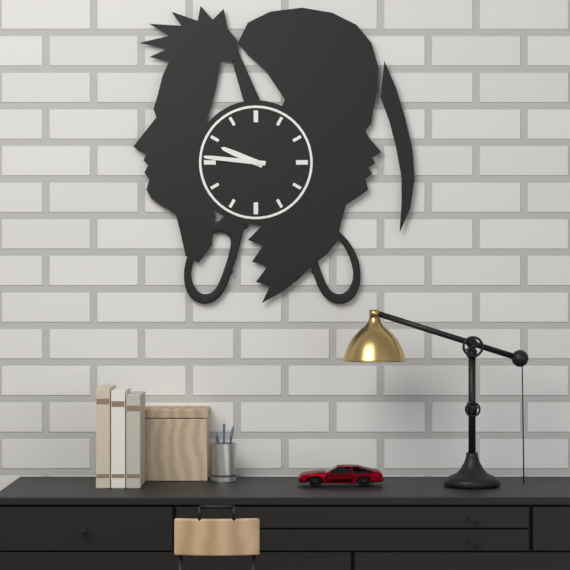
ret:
9:46
